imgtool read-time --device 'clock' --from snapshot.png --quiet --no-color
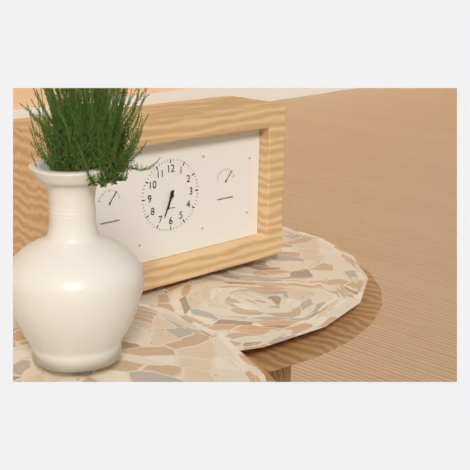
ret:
6:34
